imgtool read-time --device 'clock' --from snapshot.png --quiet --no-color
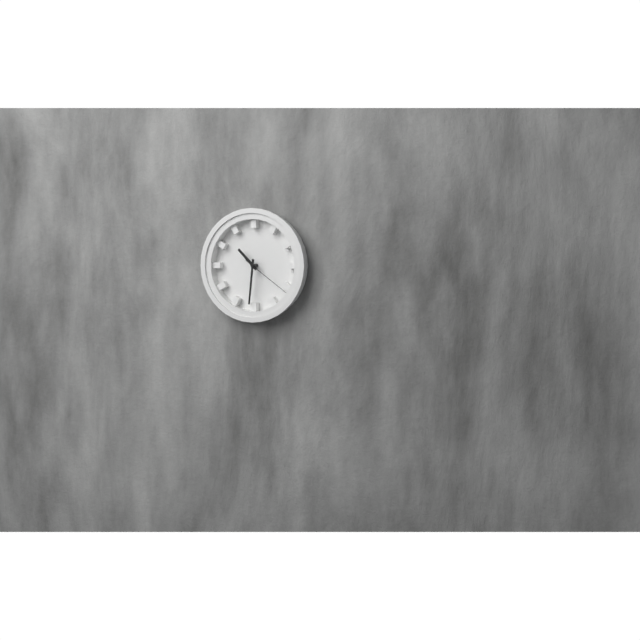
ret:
10:31:21
